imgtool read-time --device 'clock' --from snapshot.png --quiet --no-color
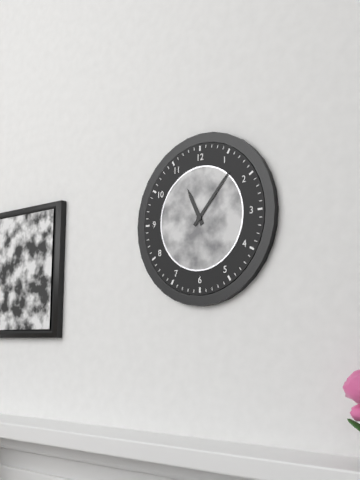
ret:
11:07
